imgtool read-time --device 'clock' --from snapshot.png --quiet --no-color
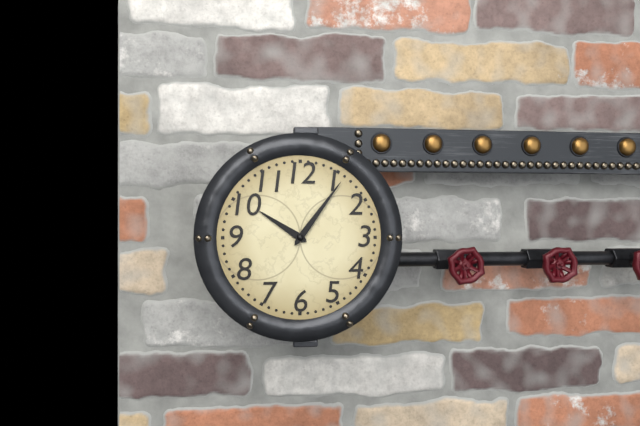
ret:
10:06
